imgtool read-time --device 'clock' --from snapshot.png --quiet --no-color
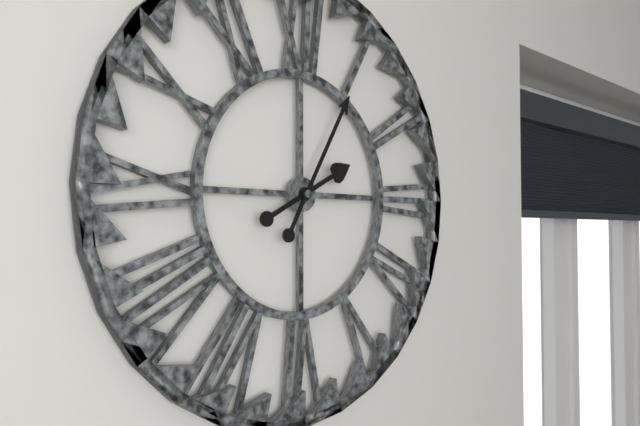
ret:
2:05
